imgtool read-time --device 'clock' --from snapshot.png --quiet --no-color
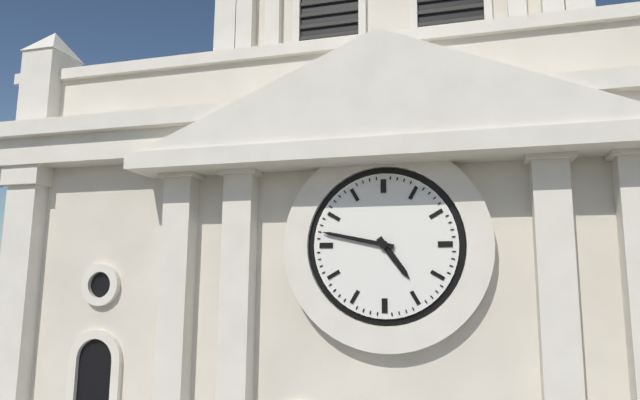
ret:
4:47
